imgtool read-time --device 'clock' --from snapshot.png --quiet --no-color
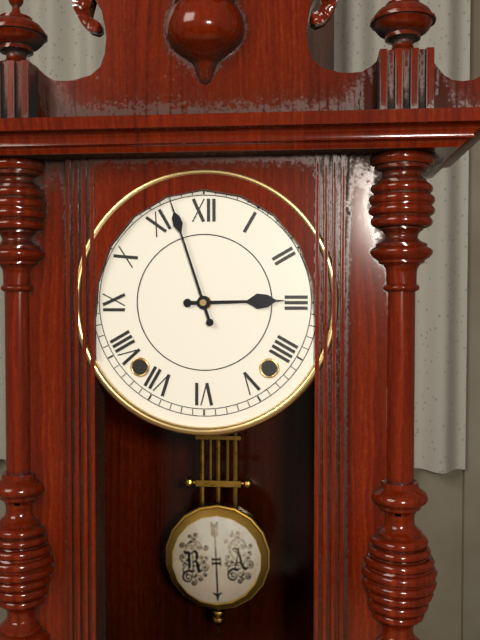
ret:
2:57
